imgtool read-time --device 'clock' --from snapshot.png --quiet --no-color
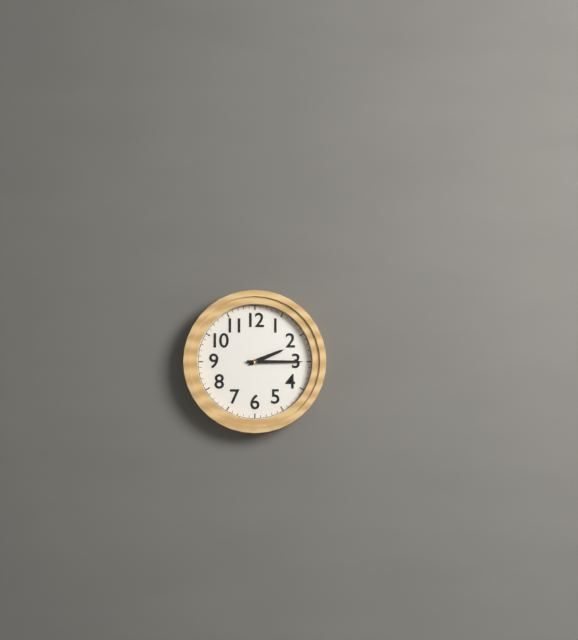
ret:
2:15
